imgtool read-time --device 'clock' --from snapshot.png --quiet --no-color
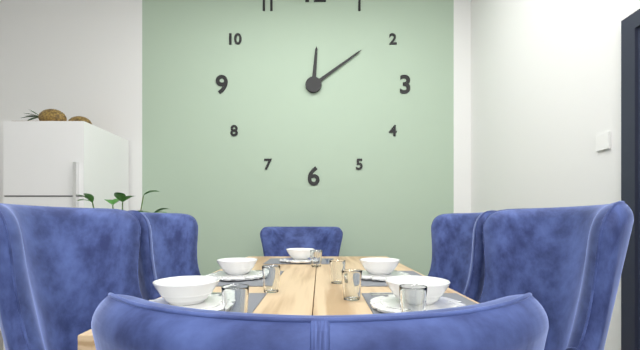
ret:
12:09
